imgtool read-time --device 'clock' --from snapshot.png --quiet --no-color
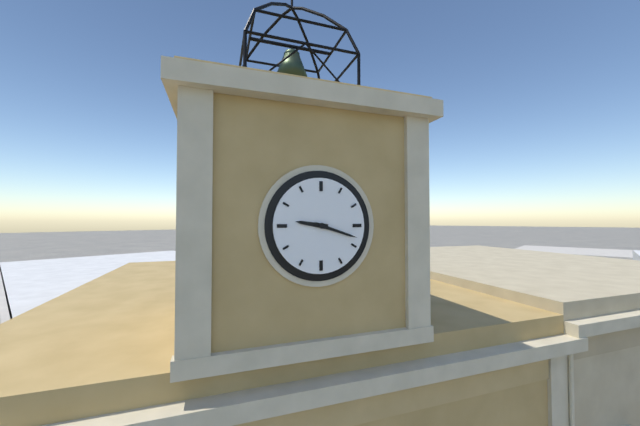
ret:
9:18
